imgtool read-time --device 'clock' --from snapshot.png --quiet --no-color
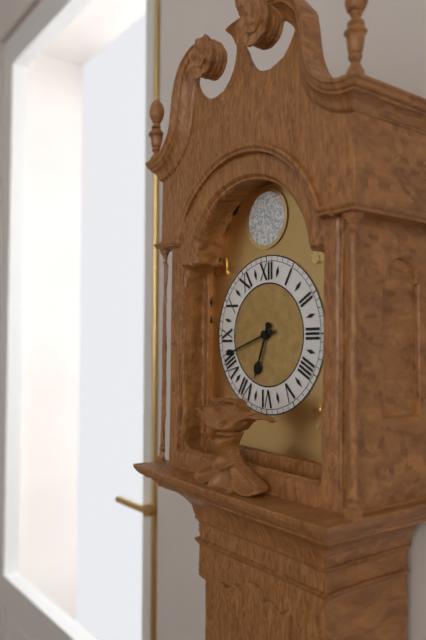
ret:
6:42
